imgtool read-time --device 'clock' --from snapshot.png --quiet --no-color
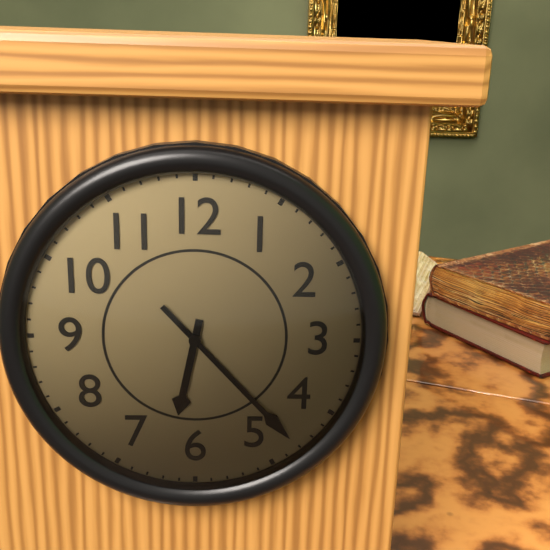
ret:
6:23
